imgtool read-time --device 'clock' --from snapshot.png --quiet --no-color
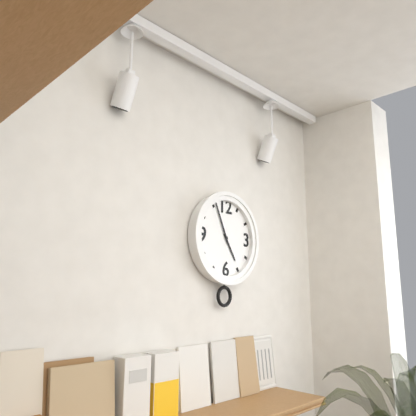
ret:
4:56
